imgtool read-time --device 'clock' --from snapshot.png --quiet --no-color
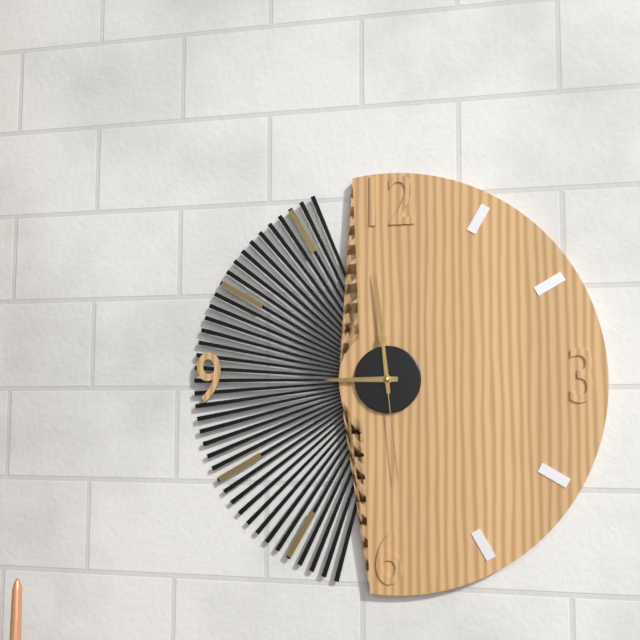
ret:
8:59:29
